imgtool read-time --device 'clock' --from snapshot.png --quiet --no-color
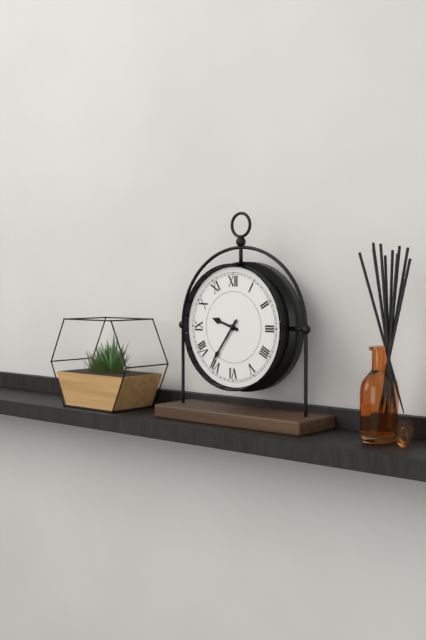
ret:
9:36
